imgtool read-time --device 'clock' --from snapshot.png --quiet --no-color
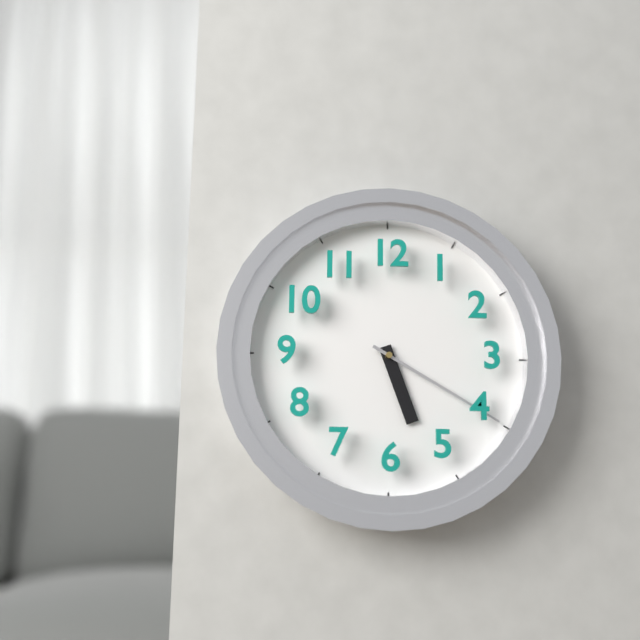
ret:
5:20
